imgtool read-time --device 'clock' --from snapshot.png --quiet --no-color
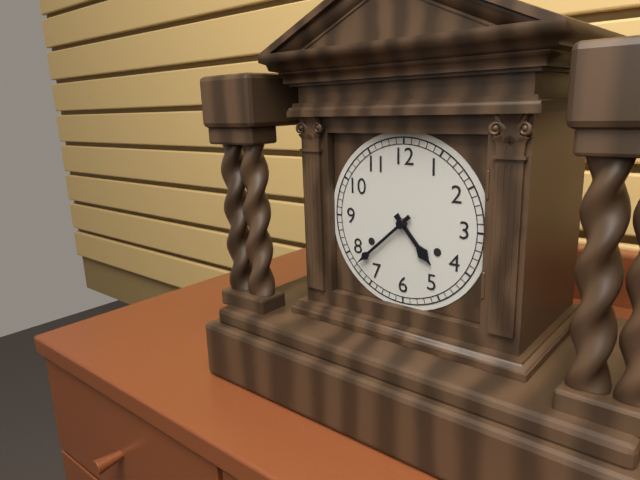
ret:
4:38
